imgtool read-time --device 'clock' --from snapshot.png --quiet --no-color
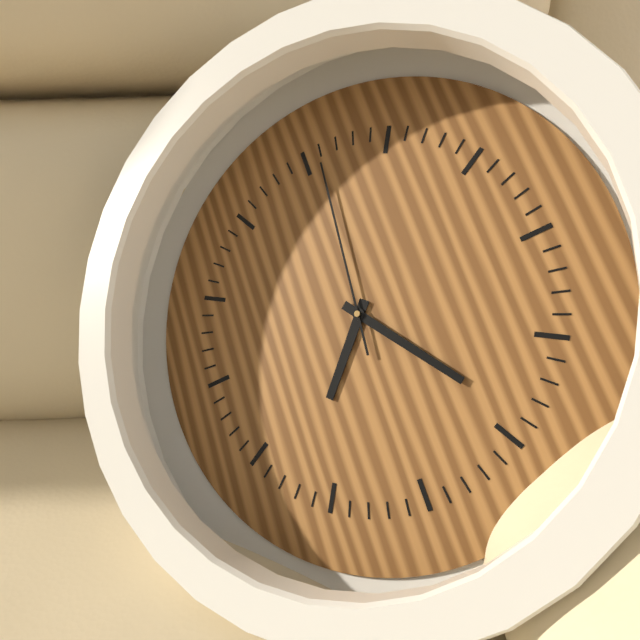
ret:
7:24:01
